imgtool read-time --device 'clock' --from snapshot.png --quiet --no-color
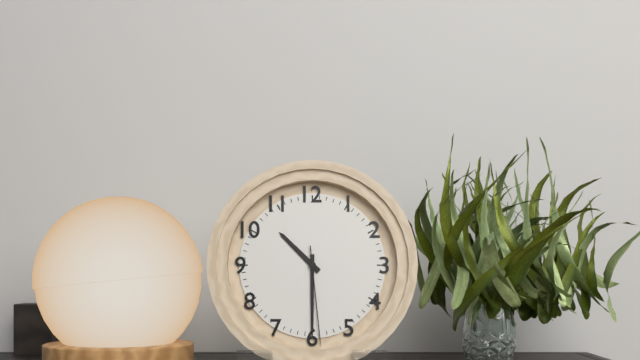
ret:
10:30:29
